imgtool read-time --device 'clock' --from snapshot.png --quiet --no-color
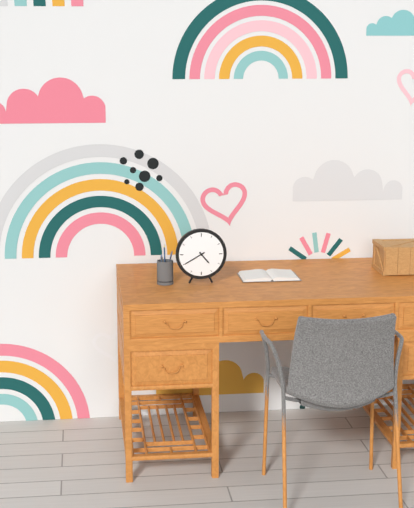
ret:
4:40
